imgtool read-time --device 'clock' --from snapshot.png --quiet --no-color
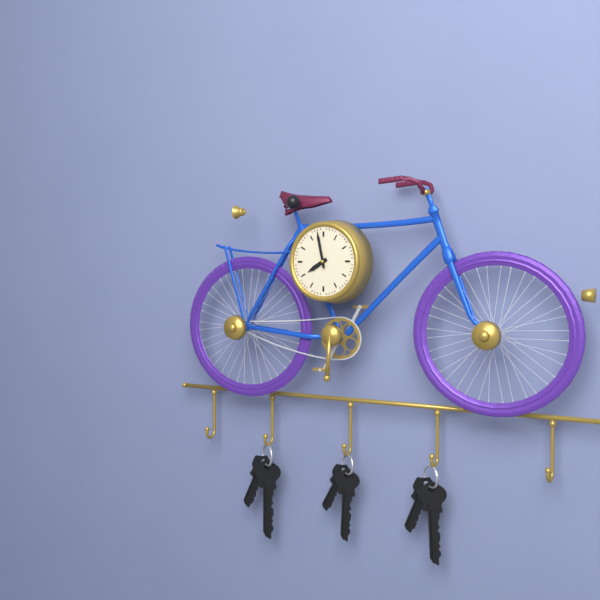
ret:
7:58
